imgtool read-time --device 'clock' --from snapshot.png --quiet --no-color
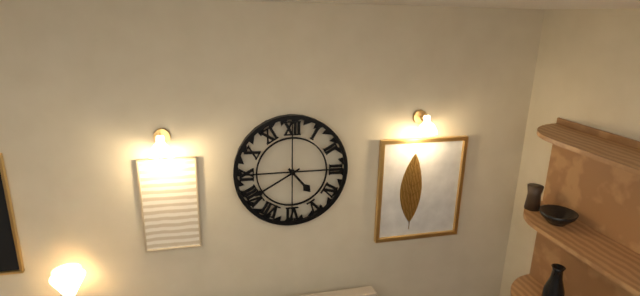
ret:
4:40
